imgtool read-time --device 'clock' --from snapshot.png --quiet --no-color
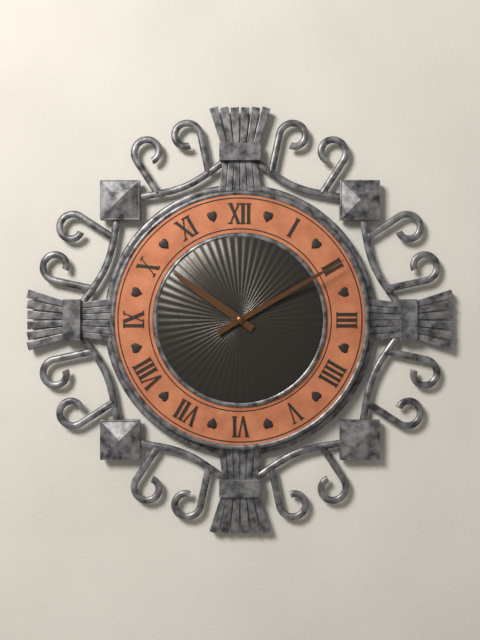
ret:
10:10
